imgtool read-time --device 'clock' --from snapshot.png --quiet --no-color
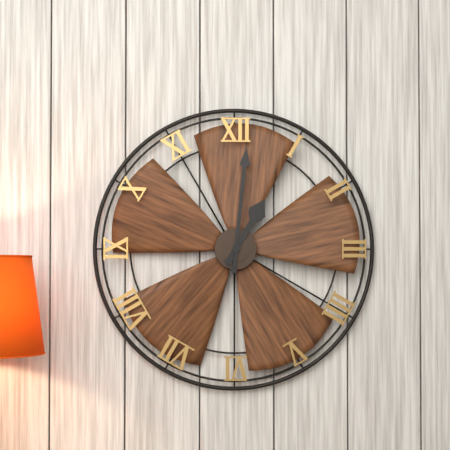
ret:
1:01
